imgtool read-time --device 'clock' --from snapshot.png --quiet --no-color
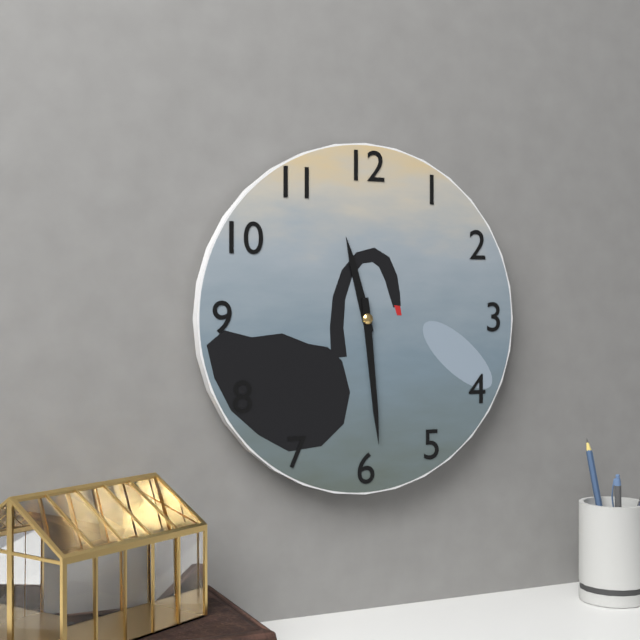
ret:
11:29
